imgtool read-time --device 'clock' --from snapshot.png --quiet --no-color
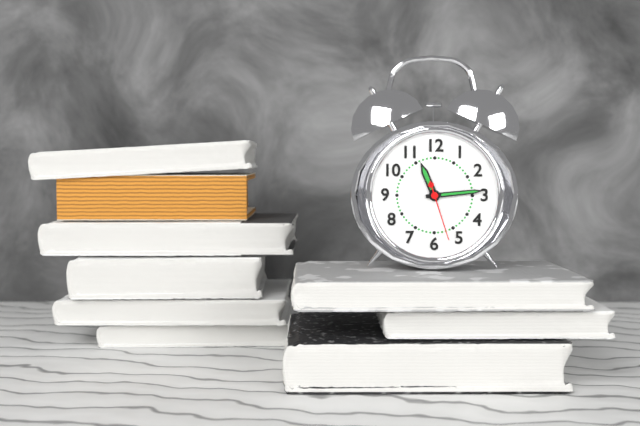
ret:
11:14:27
